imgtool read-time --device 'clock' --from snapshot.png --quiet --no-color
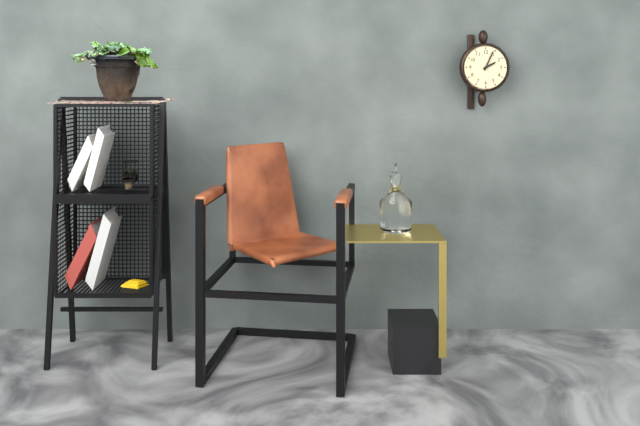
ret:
2:04
